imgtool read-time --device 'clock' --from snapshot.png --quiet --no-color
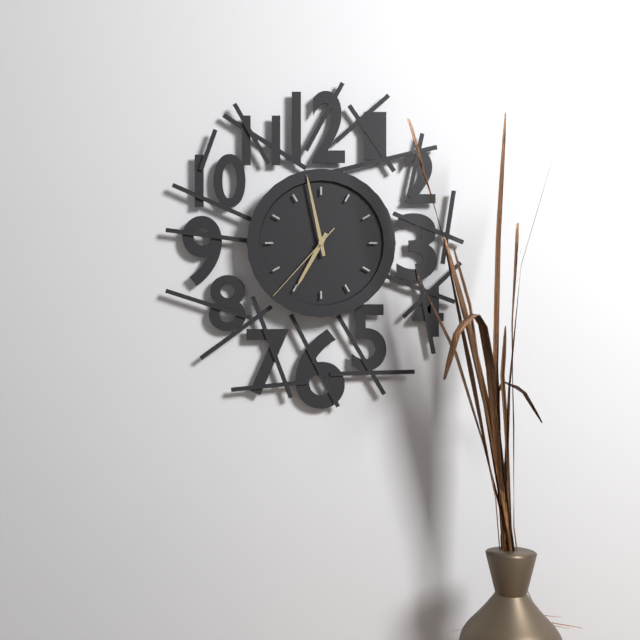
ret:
6:58:37
